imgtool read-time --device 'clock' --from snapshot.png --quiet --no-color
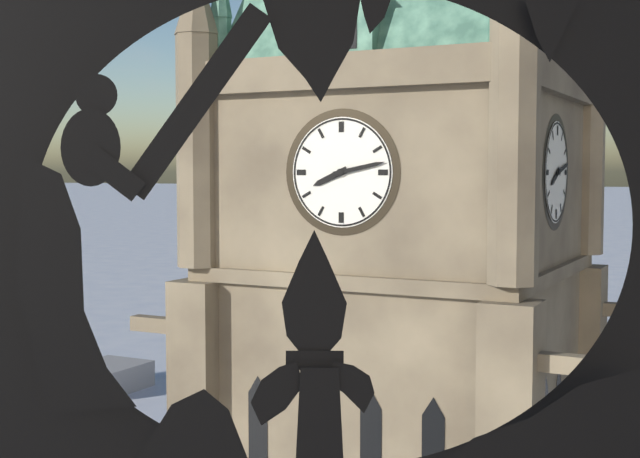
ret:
8:13
